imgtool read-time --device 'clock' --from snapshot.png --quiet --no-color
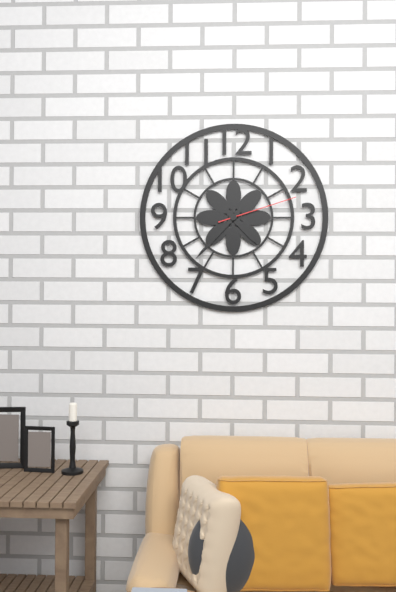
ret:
4:37:12
